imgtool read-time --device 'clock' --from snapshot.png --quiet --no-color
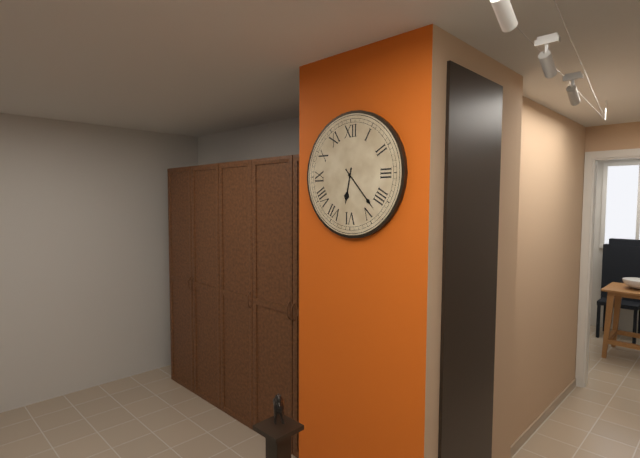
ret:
6:23
